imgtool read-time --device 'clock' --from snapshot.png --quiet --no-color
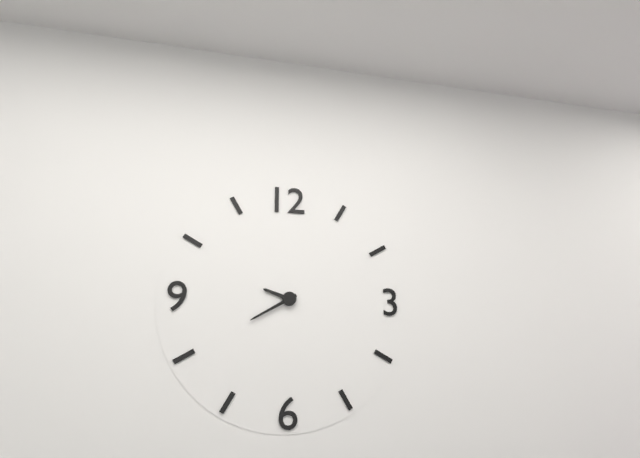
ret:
9:40
